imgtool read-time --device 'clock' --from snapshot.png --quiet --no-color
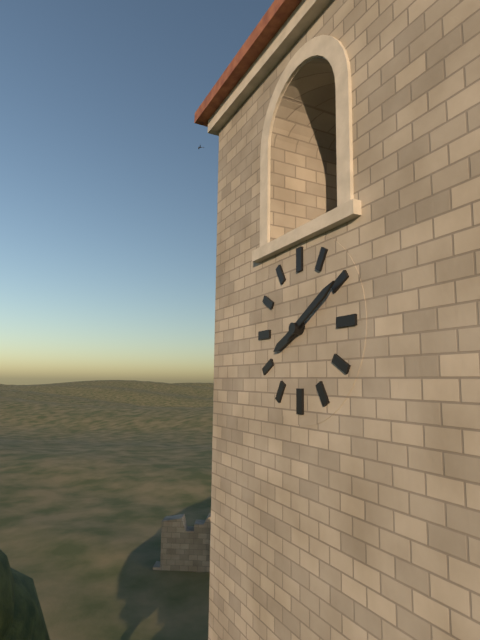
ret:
8:10
